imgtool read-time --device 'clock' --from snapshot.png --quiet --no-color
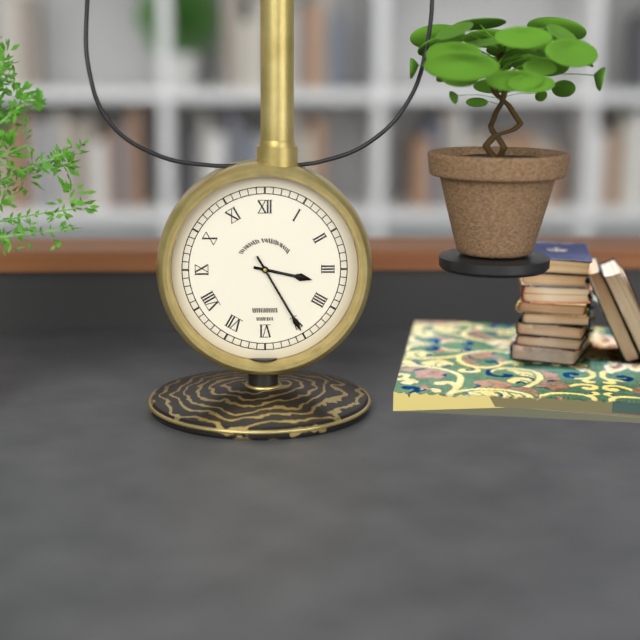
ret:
3:25
